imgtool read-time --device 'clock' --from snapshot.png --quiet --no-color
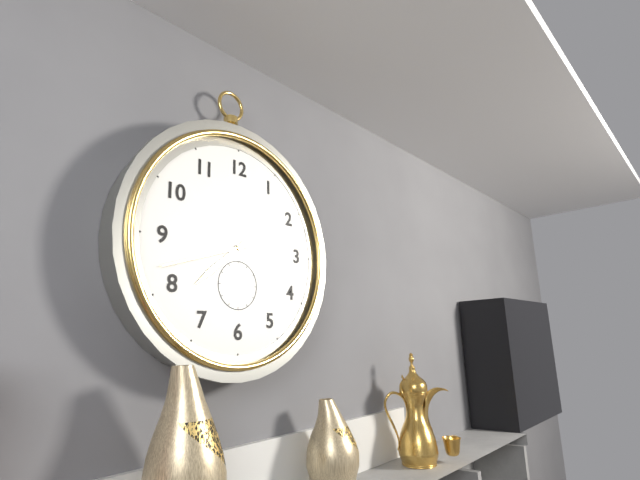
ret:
7:42
